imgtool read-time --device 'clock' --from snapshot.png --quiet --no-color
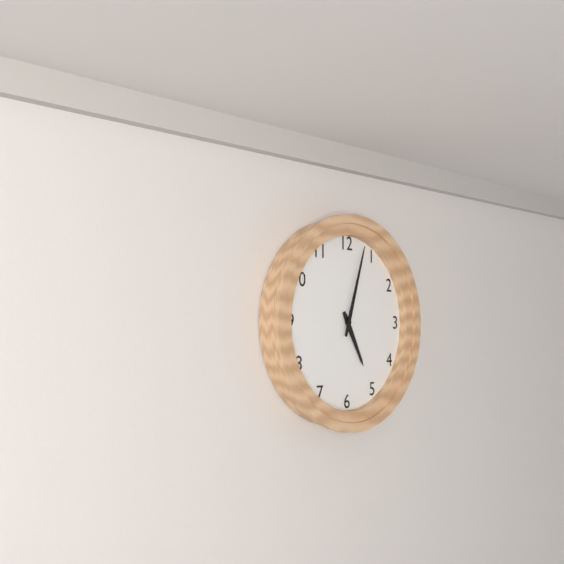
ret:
5:03
